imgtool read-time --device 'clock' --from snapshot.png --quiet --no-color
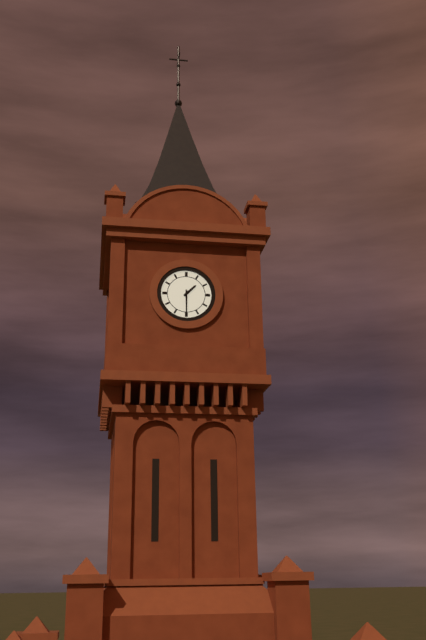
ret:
1:30
